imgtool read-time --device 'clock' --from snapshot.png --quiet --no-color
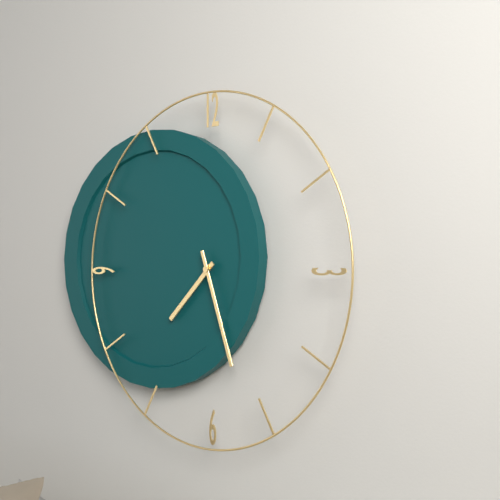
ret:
7:27
